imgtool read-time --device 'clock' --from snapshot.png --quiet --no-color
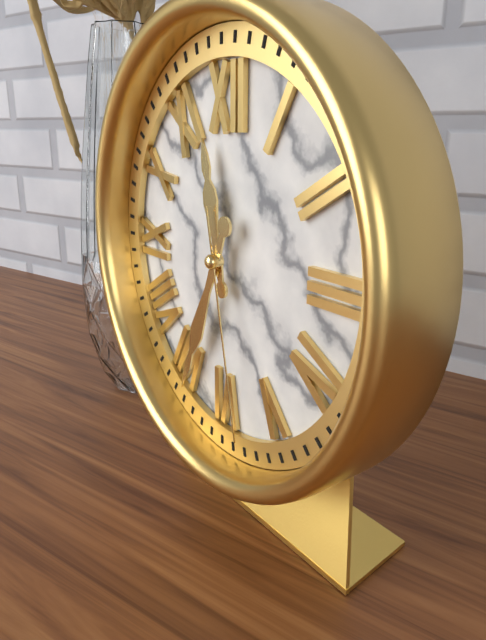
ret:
11:34:28
